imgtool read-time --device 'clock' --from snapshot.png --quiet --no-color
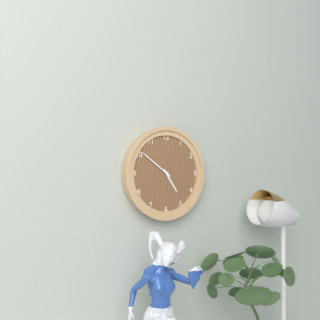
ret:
4:51
